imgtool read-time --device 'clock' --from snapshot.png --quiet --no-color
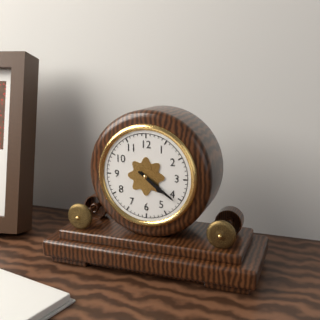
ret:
4:21
